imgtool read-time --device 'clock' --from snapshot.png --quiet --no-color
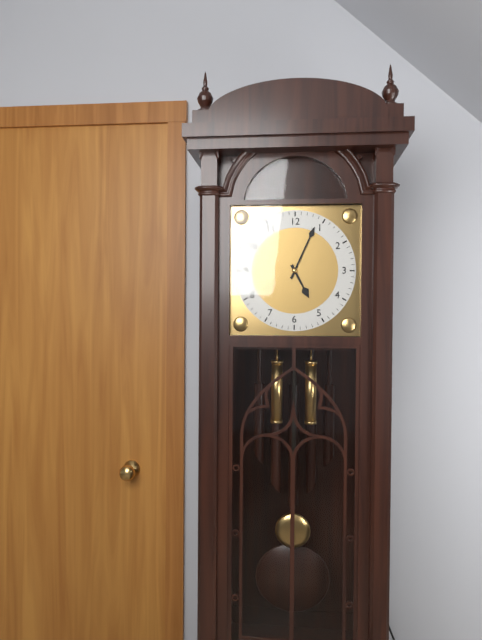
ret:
5:04
